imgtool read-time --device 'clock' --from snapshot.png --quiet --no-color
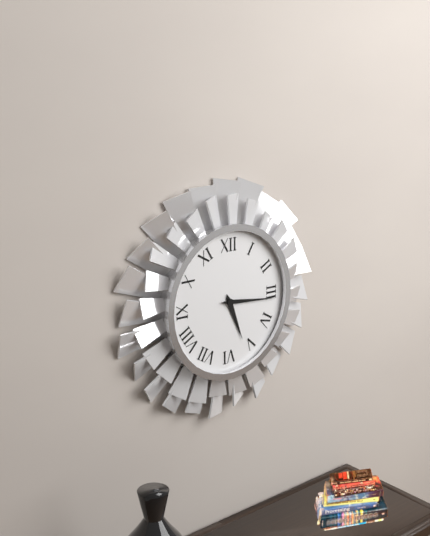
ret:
5:16
